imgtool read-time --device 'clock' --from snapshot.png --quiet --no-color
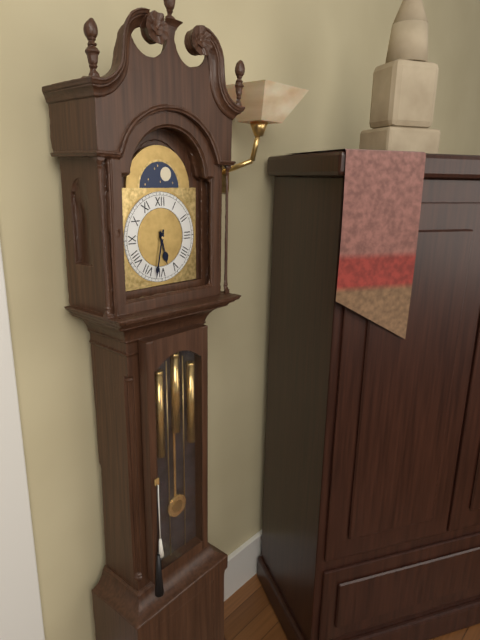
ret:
5:32
